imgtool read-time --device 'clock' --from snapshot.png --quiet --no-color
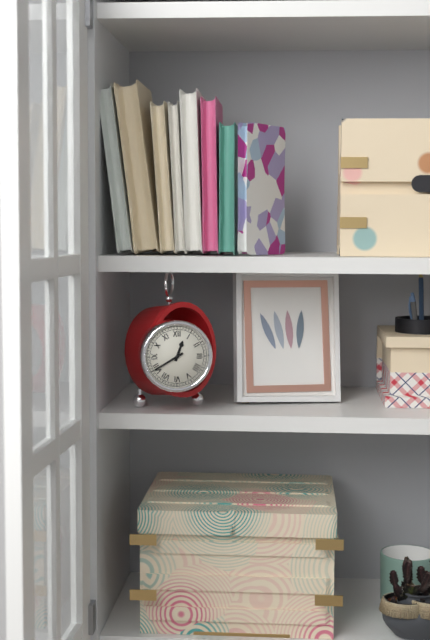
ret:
12:40
